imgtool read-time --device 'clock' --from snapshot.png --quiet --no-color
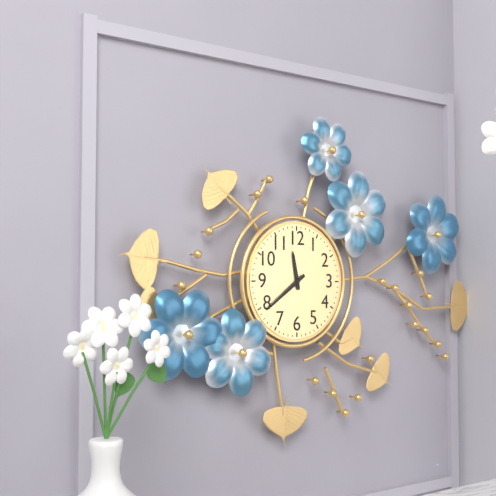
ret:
11:39
